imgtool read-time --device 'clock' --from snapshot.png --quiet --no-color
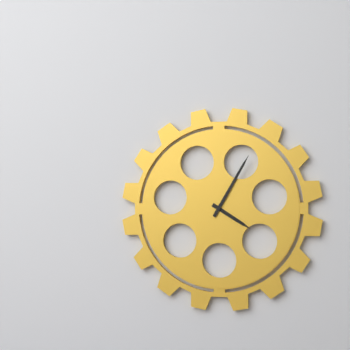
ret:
4:05
